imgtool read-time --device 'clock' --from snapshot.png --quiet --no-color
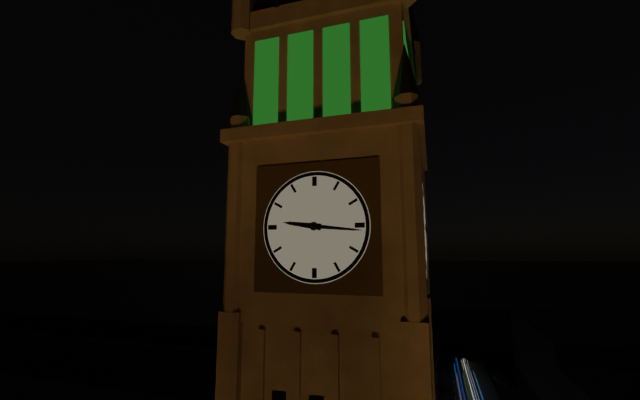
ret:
9:16
